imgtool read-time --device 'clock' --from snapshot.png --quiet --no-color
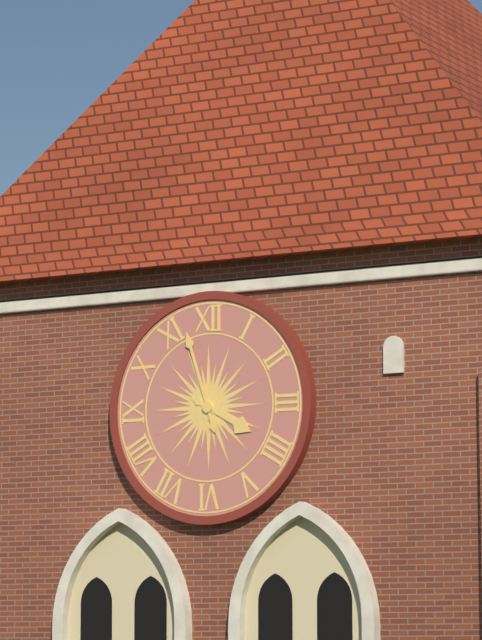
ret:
3:57
